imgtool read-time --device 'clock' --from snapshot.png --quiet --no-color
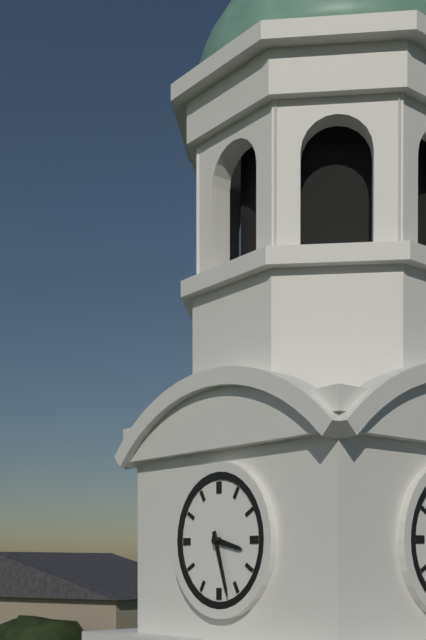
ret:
3:27
